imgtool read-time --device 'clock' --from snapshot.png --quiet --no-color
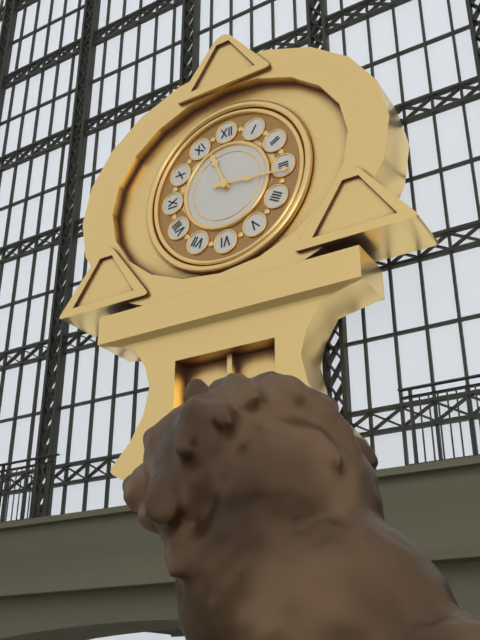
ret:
11:16
